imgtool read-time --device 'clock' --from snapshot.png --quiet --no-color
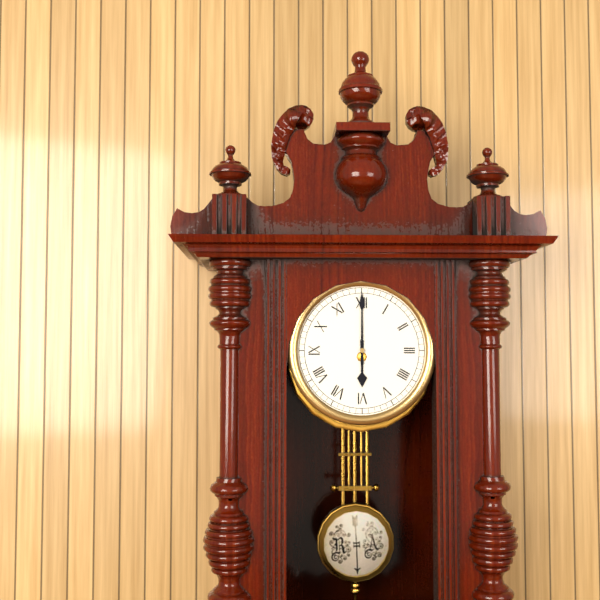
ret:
6:00
